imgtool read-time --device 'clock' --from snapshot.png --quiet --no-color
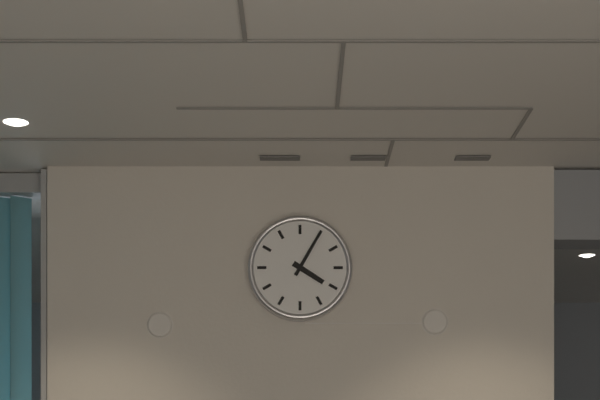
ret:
4:05
